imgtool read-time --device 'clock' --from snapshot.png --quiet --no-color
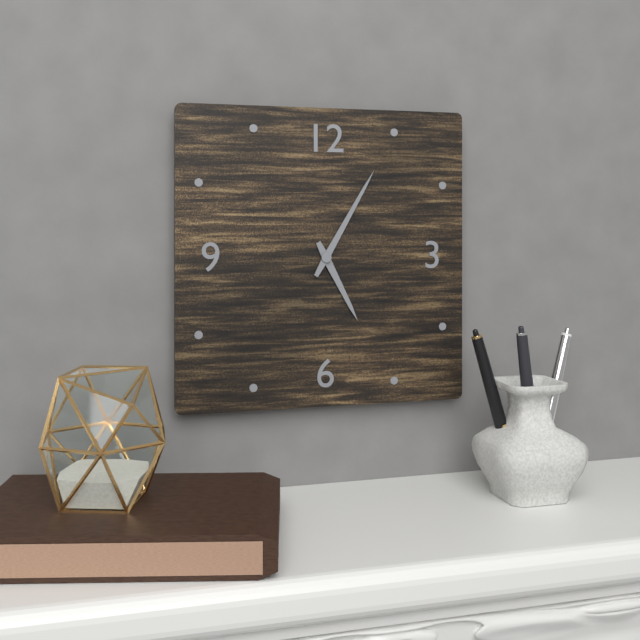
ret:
5:05
